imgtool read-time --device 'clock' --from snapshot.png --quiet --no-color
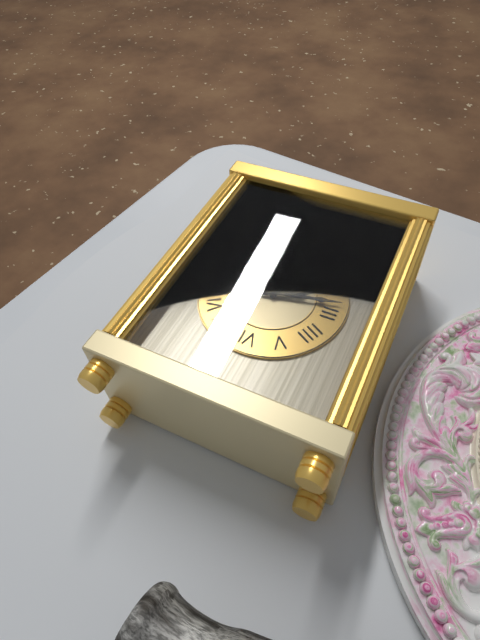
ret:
2:13
